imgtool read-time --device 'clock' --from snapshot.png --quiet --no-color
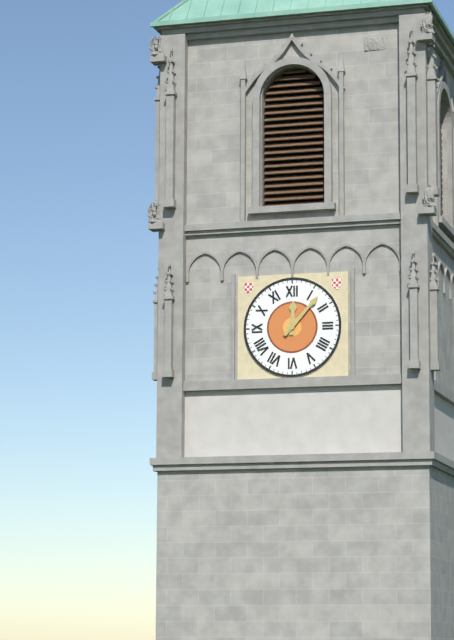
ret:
12:07
